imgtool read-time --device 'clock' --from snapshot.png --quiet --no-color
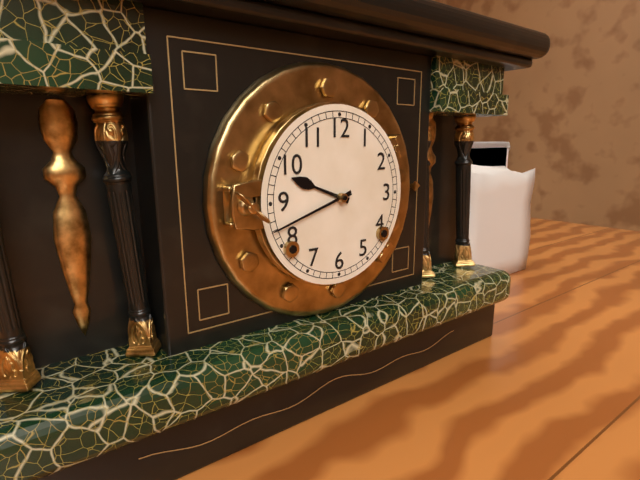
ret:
9:42
